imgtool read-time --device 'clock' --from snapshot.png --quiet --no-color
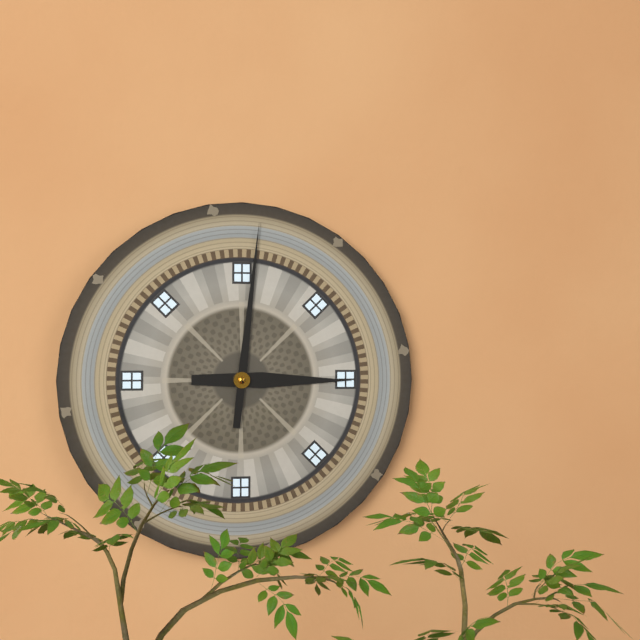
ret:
3:01
